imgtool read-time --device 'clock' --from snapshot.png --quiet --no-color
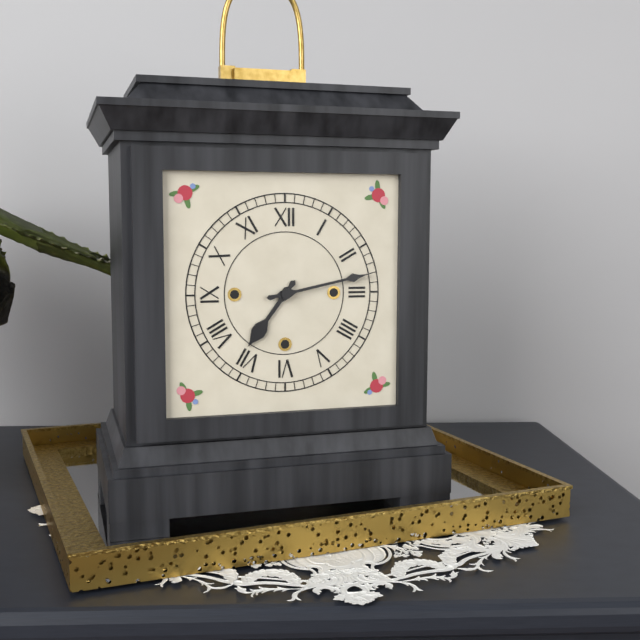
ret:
7:13
